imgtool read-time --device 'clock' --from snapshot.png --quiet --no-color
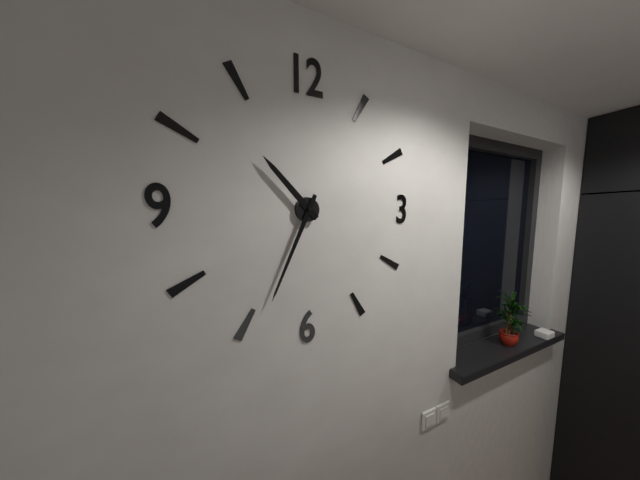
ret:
10:34
